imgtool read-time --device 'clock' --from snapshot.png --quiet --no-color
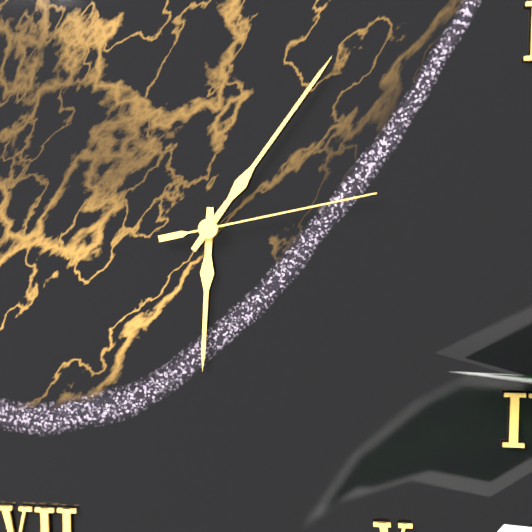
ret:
6:06:13
